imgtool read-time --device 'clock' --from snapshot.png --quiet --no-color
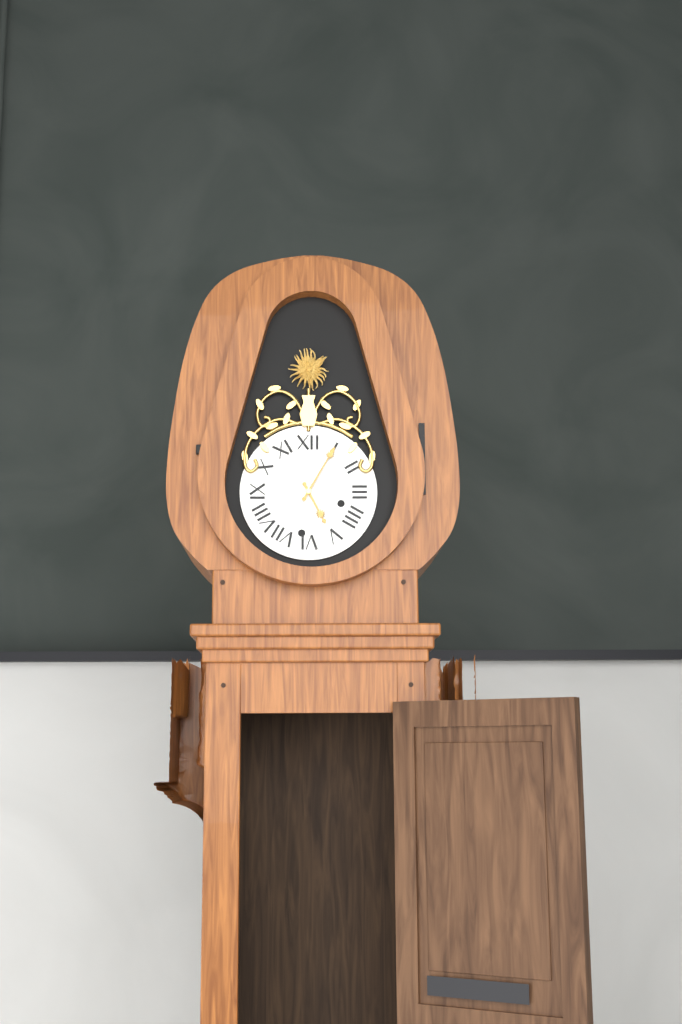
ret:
5:05
